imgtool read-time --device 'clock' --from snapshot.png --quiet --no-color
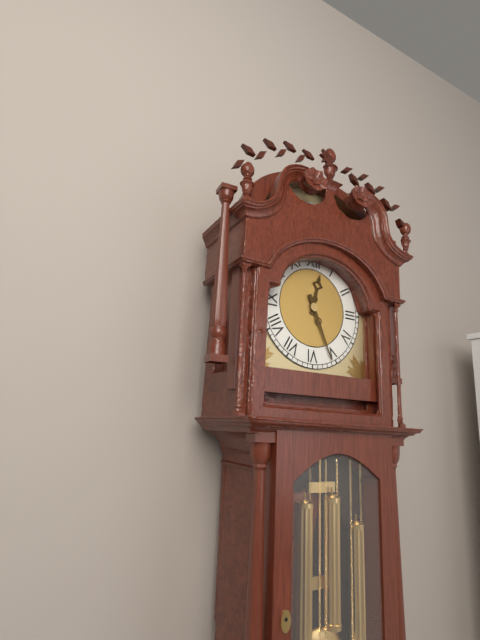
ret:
12:26
